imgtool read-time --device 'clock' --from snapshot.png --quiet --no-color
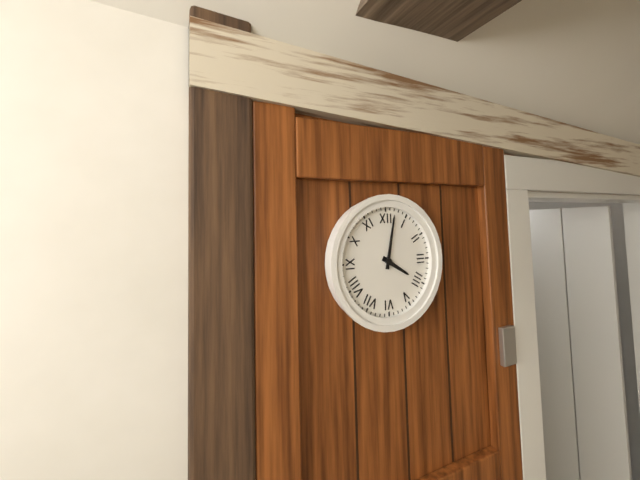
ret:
4:02
